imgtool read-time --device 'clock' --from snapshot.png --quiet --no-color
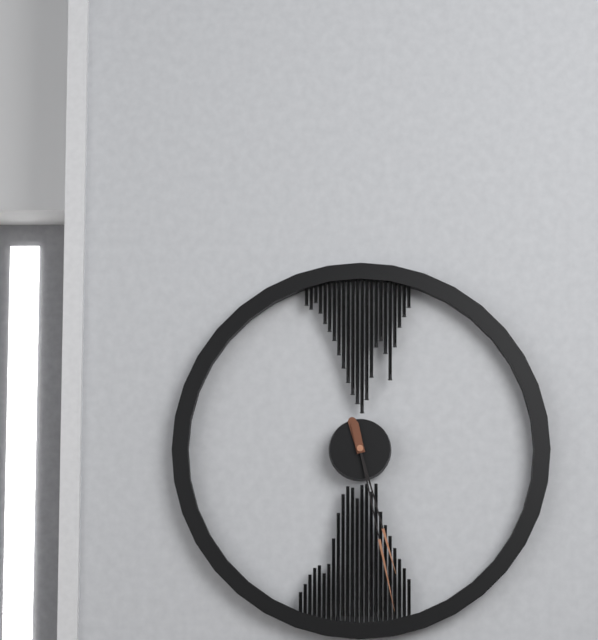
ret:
5:28
